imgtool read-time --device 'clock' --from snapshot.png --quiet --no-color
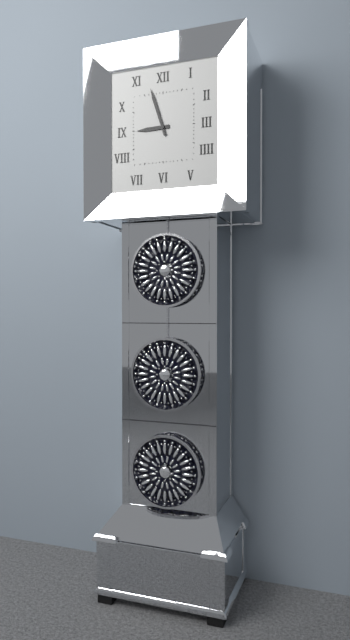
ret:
8:57
